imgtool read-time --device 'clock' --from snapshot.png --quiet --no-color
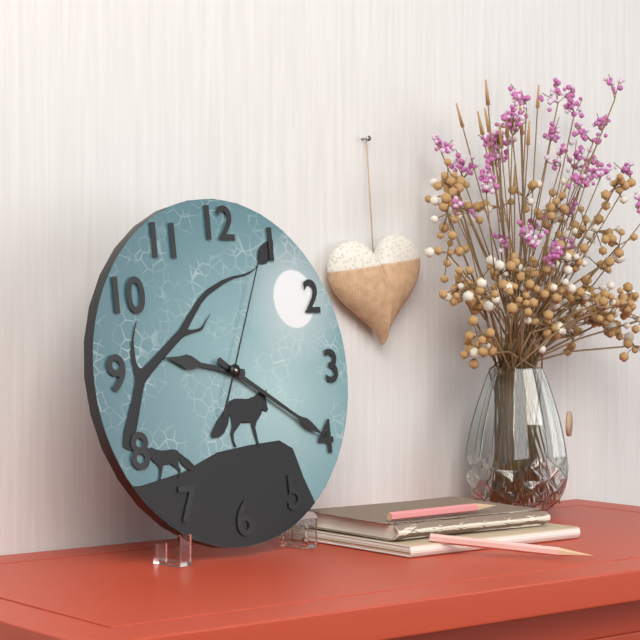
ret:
9:20:04
